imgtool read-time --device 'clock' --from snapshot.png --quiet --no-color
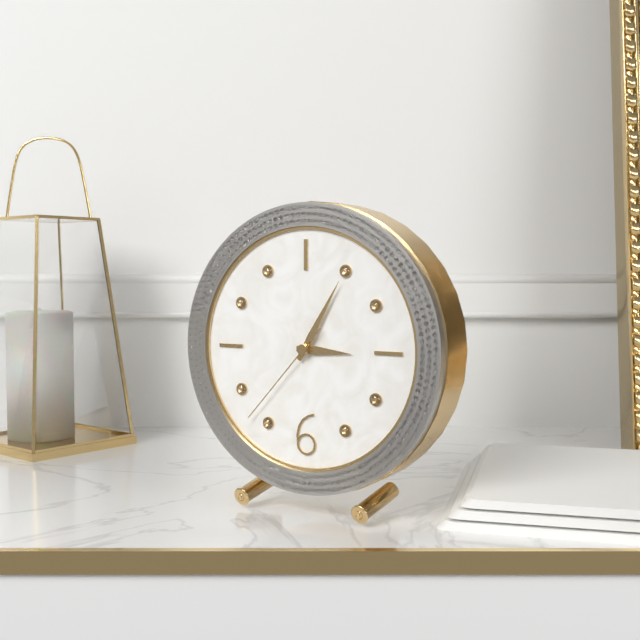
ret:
3:05:37
